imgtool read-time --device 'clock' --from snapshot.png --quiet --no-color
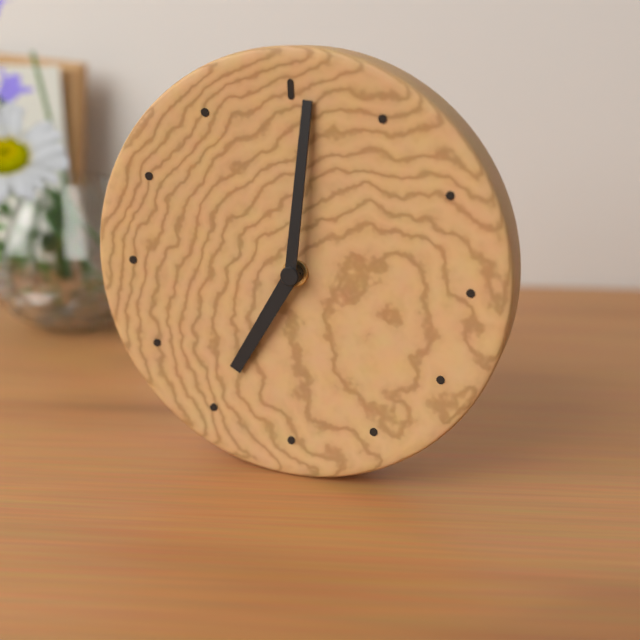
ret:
7:01
